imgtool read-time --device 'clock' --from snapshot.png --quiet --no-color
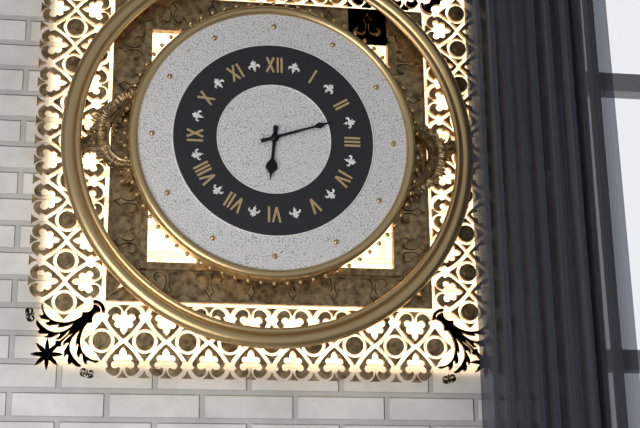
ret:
6:12
